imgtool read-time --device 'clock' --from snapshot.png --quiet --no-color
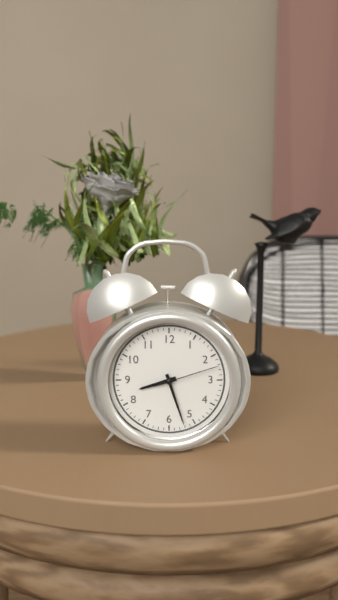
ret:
8:27:12
